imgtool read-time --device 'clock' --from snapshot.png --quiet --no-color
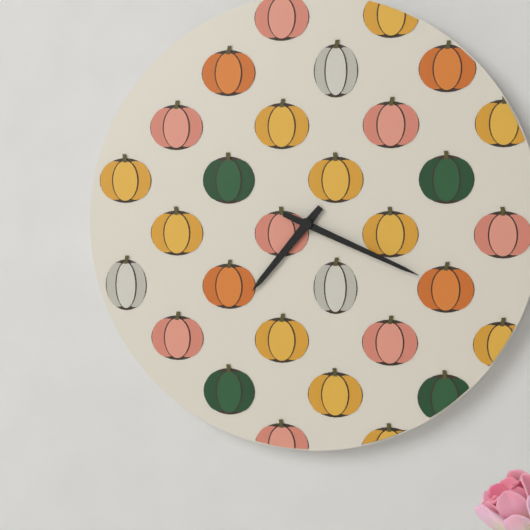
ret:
7:19
